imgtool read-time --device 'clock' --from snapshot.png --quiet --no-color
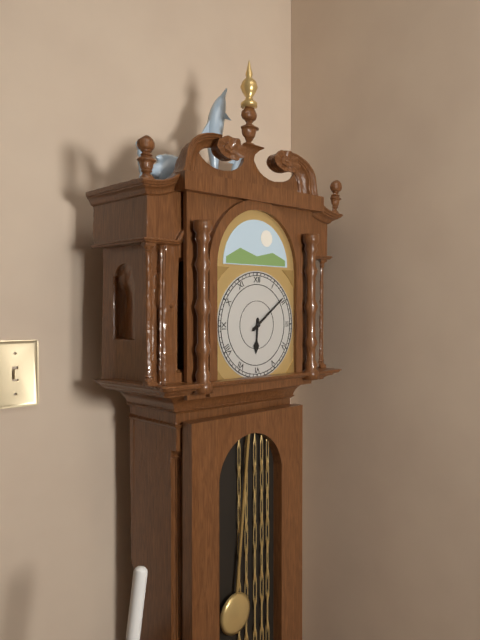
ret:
6:09
